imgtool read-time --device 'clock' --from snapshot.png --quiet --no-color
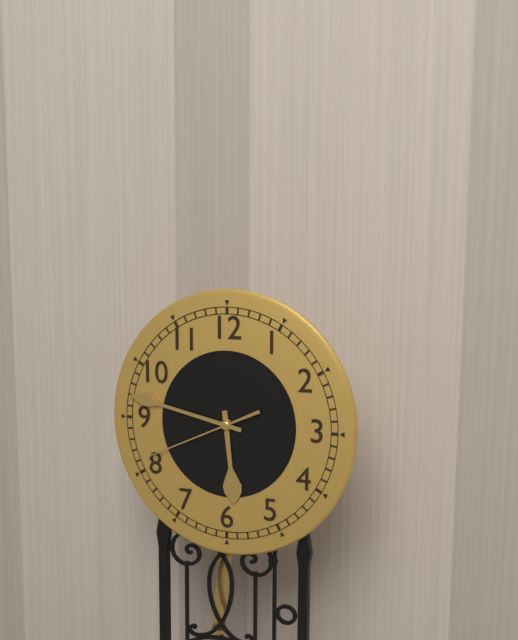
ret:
5:47:41
